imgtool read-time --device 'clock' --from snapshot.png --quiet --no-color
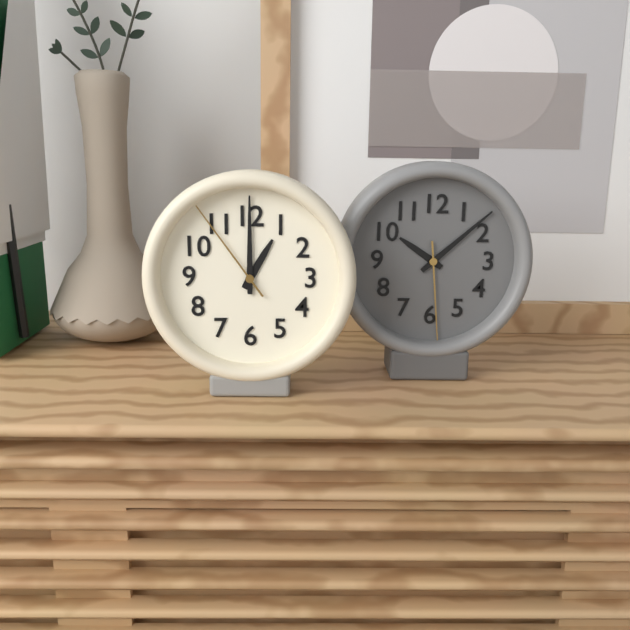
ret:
1:00:54
